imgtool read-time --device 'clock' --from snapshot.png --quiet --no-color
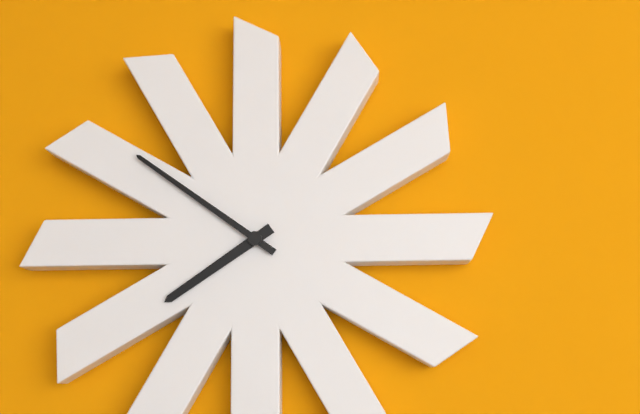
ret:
7:51
